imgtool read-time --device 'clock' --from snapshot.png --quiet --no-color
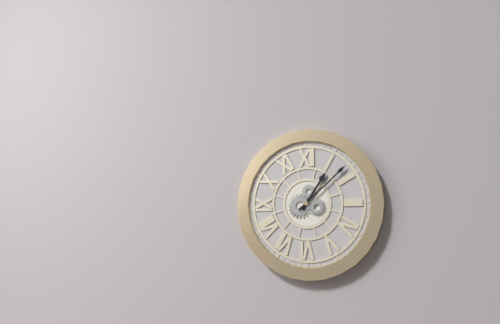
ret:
1:08
